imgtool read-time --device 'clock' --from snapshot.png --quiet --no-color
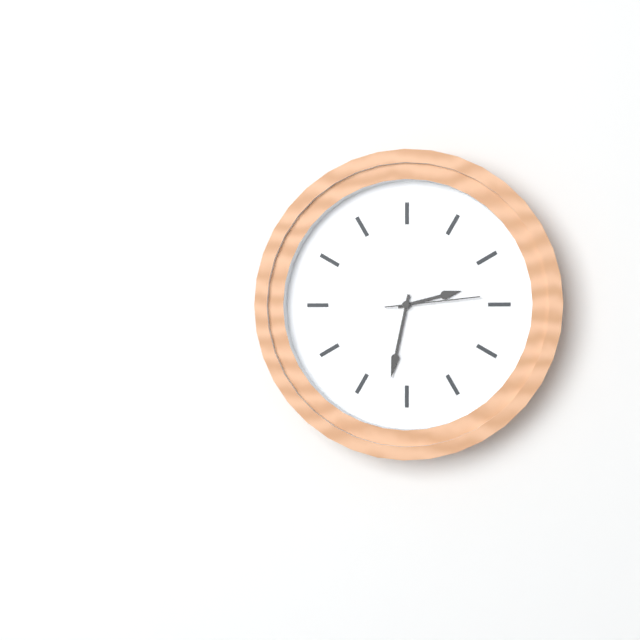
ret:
2:32:14
